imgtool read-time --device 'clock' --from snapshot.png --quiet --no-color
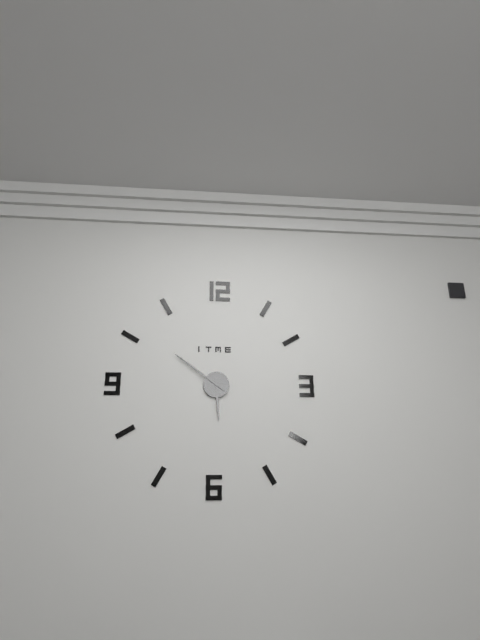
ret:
5:51
